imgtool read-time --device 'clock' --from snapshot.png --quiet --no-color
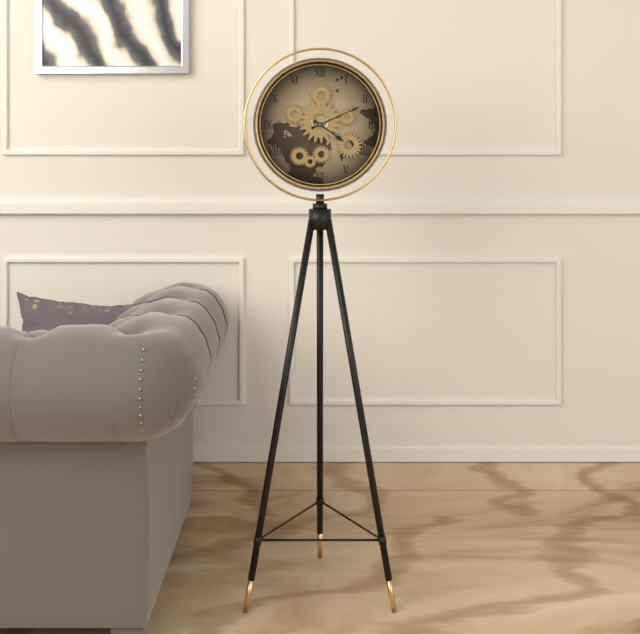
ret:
4:11
